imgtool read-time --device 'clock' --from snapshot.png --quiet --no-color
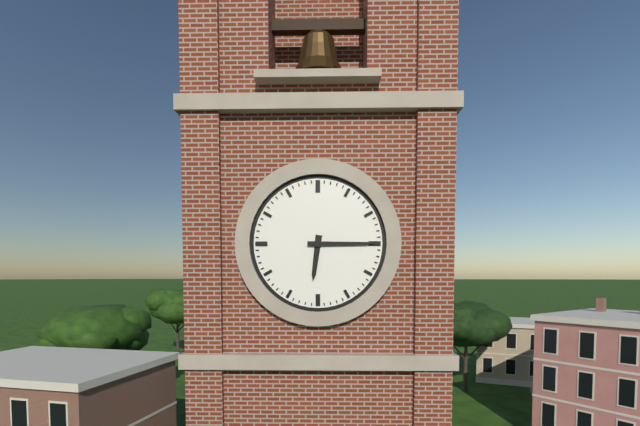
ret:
6:15
